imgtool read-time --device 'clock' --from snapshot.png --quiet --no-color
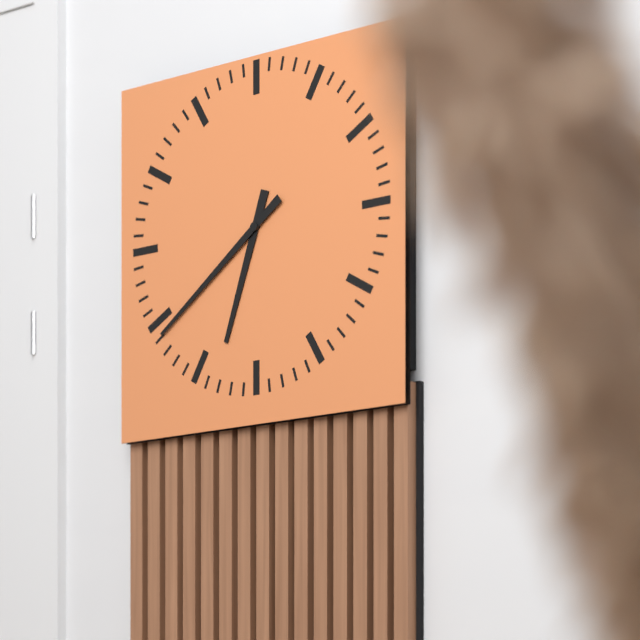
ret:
6:39
